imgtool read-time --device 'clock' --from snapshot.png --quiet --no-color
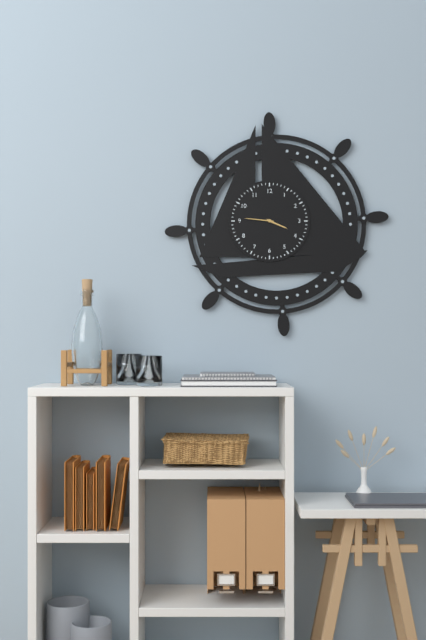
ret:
3:46
